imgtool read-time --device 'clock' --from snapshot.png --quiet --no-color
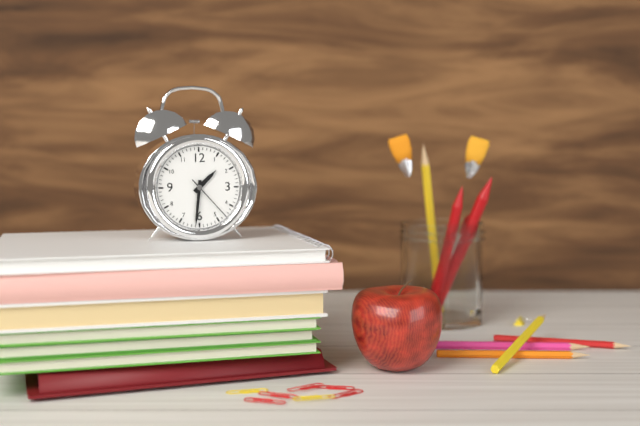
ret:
1:31:23
